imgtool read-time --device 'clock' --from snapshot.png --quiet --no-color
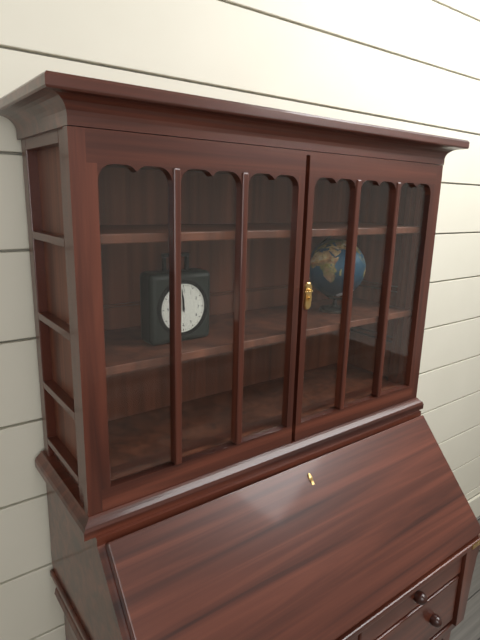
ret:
11:59
